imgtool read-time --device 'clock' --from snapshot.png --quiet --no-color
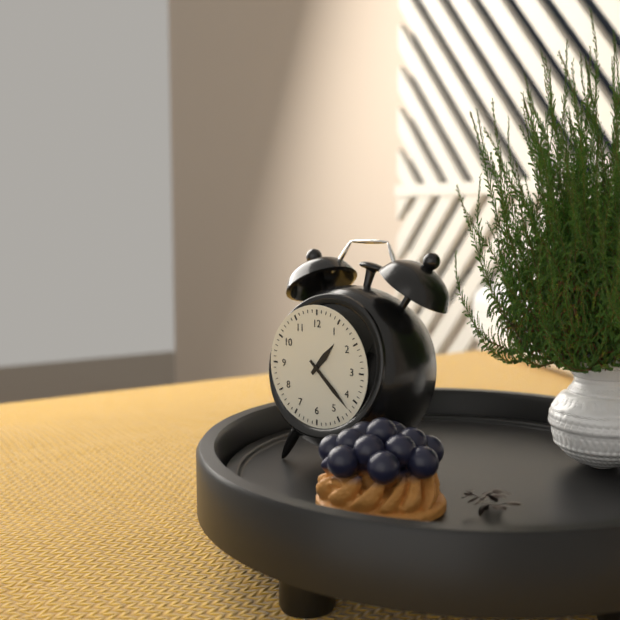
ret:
1:22
